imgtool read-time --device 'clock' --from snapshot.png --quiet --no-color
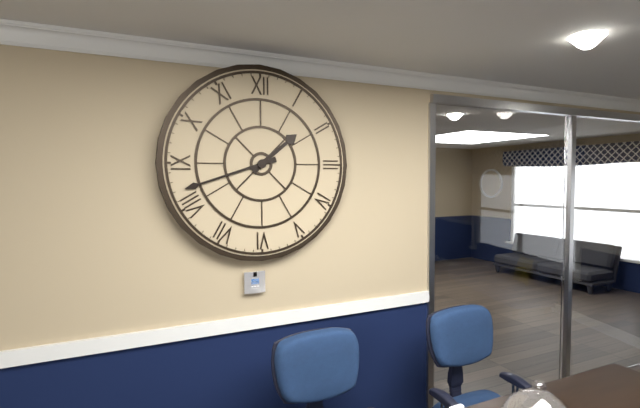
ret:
1:42
